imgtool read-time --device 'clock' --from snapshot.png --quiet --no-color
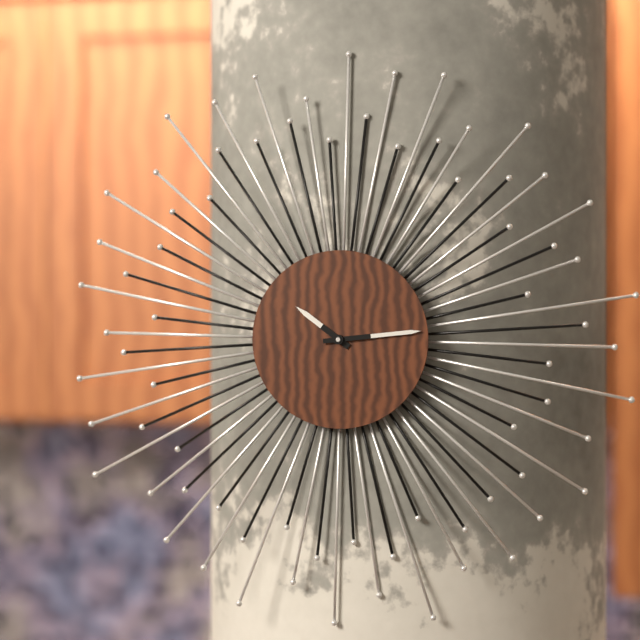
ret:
10:14
